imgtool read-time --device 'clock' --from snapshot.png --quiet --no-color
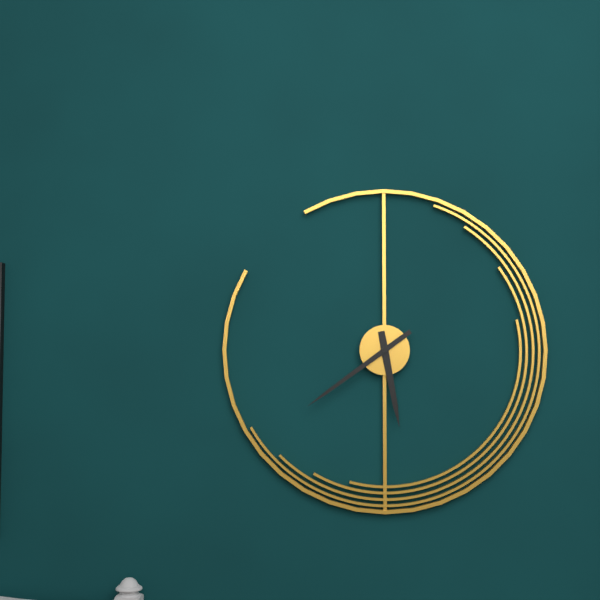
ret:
5:39
